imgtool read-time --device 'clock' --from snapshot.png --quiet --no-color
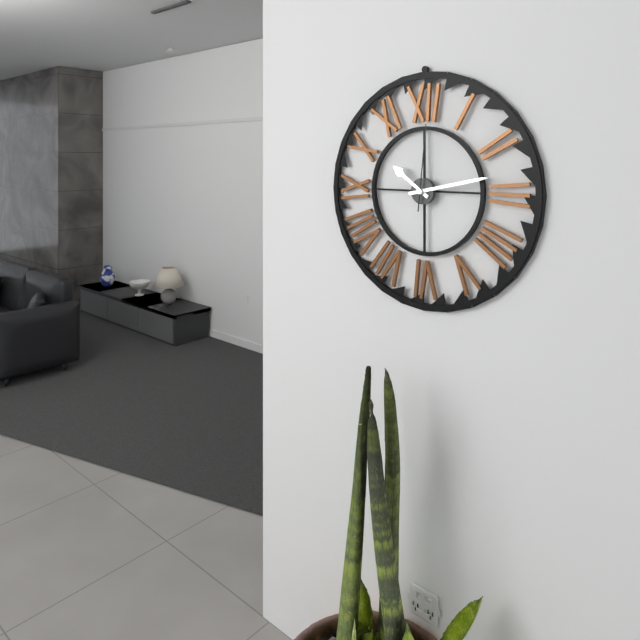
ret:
10:13:01
